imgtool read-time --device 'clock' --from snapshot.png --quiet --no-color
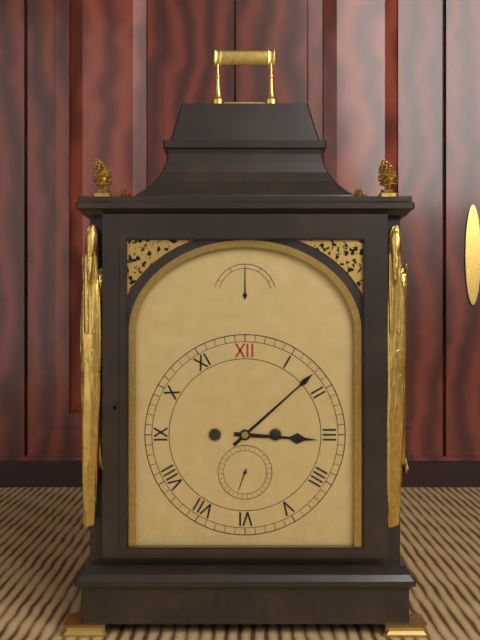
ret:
3:08
